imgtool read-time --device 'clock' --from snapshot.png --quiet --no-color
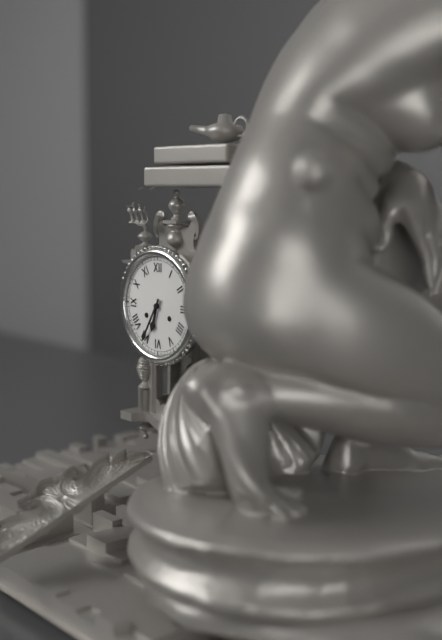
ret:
6:35
